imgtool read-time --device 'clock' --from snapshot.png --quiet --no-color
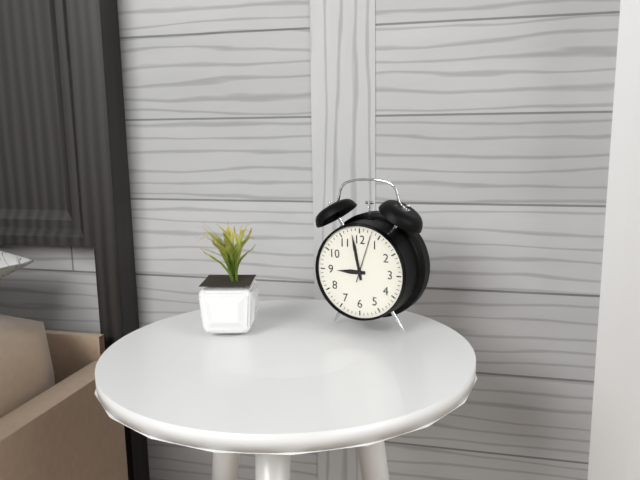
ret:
8:58
